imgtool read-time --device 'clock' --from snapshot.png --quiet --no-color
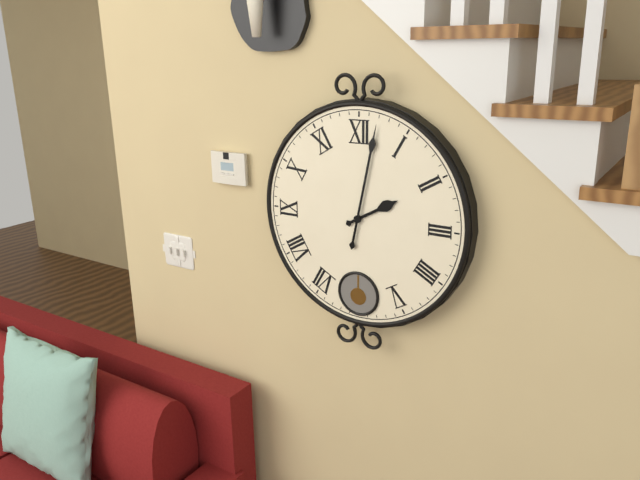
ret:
2:02
